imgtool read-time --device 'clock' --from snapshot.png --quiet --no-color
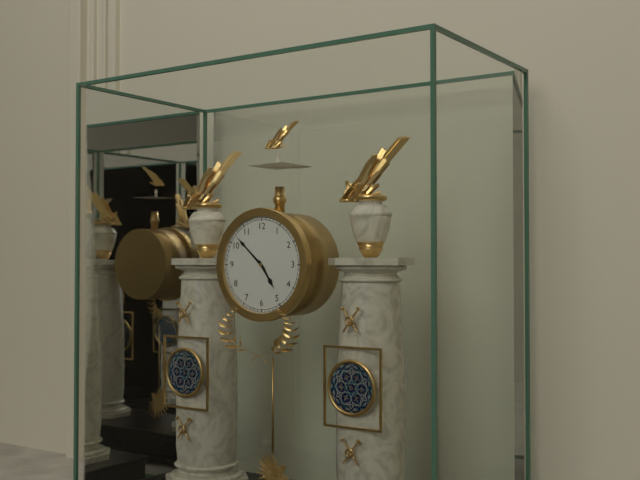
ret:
4:52
